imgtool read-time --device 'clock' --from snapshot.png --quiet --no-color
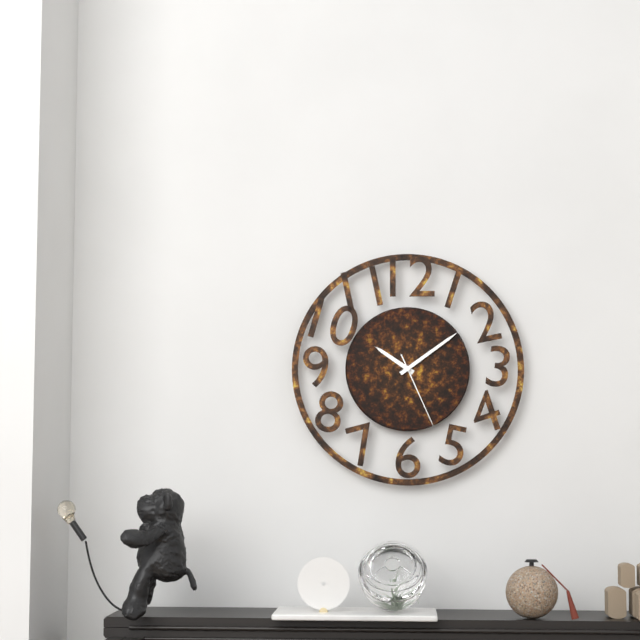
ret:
10:09:26
